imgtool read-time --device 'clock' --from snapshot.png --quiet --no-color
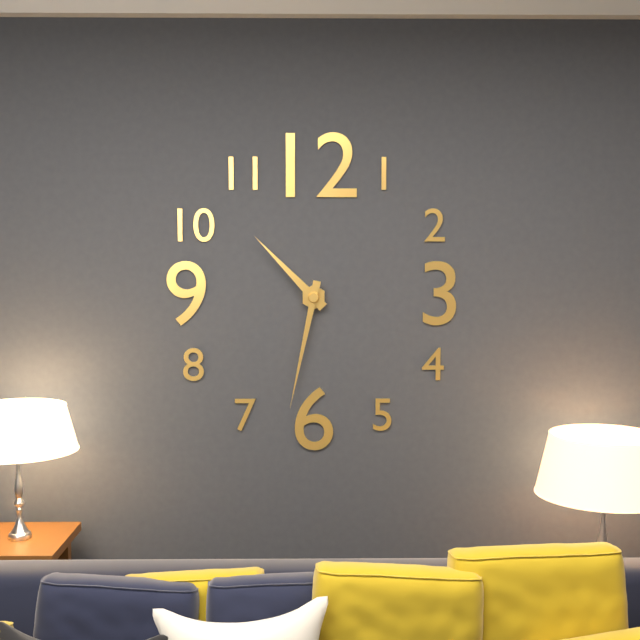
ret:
10:32
